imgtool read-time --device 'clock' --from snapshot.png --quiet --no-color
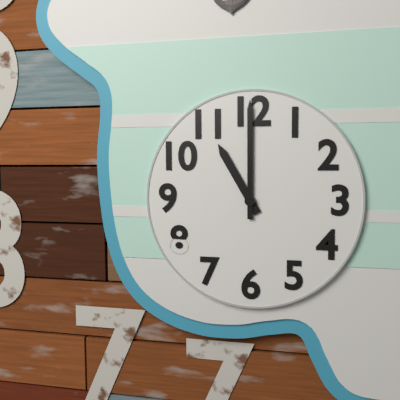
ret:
11:00
